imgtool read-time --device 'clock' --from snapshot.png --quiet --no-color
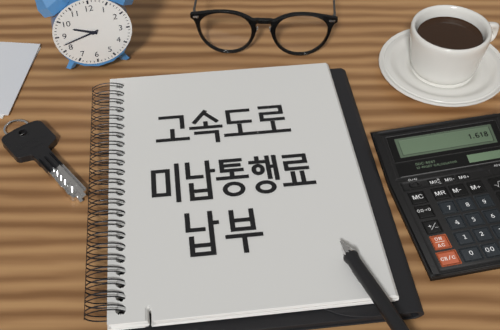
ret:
9:42
